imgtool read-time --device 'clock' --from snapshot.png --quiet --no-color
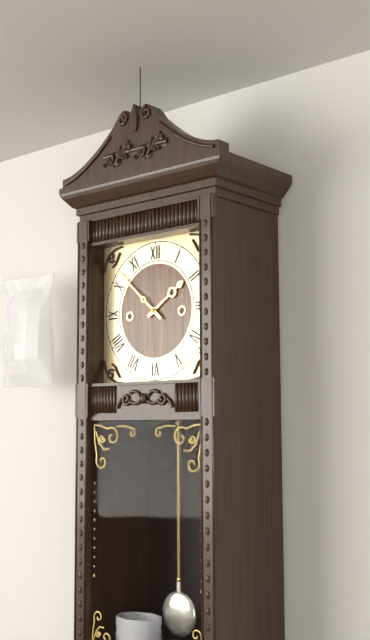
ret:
1:52
